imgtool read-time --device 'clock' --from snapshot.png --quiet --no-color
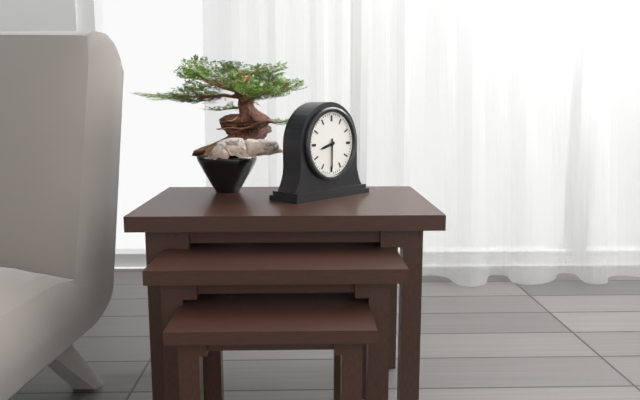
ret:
8:30
